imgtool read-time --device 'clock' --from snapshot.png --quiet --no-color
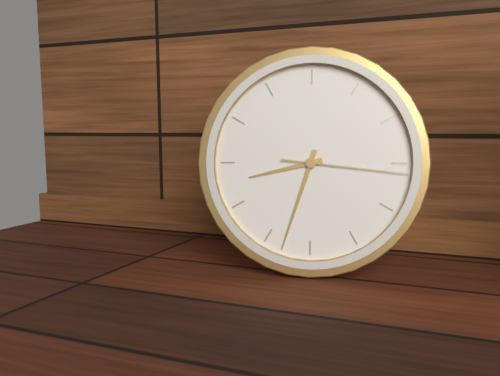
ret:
8:33:16
